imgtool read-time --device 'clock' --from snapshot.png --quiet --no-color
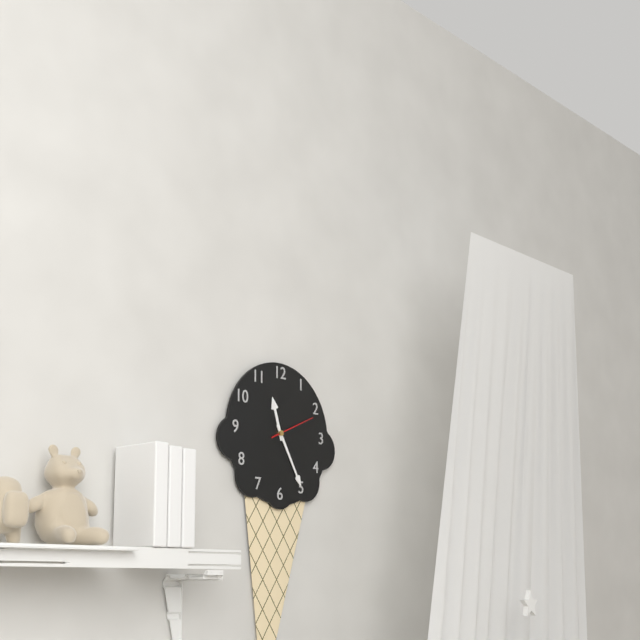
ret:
11:25
